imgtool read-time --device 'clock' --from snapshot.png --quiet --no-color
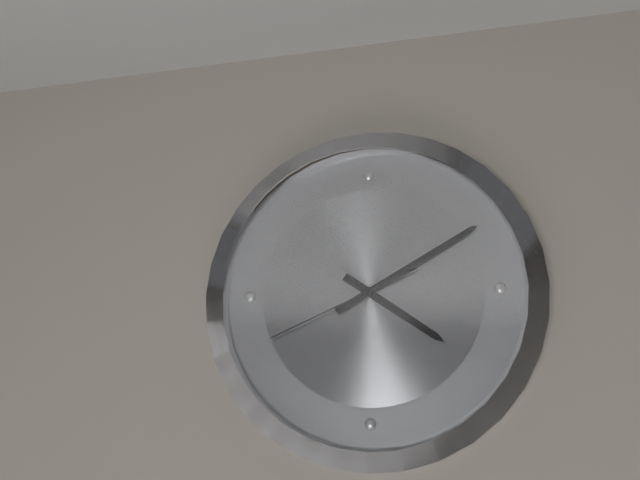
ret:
4:10:41
